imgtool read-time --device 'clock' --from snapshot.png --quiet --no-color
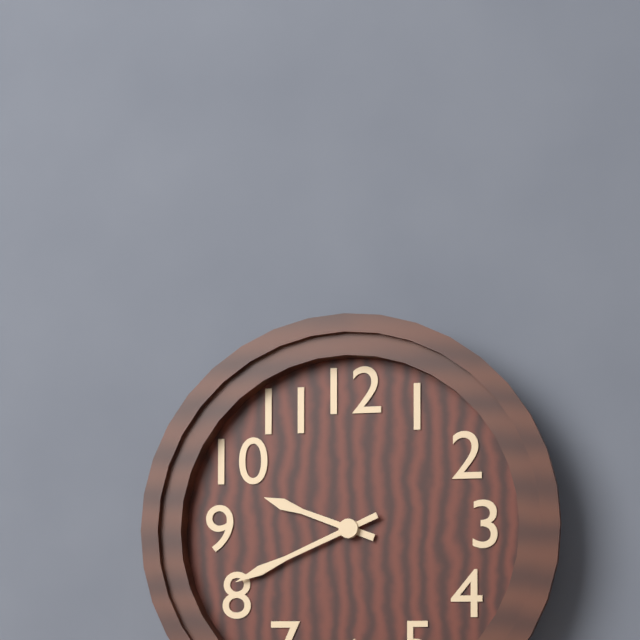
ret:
9:41
